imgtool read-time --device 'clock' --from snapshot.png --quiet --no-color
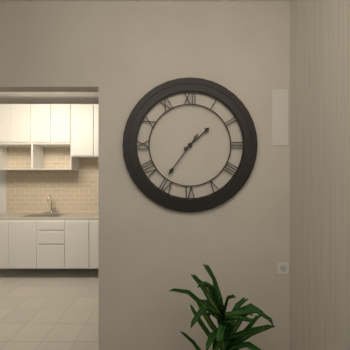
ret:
1:36
